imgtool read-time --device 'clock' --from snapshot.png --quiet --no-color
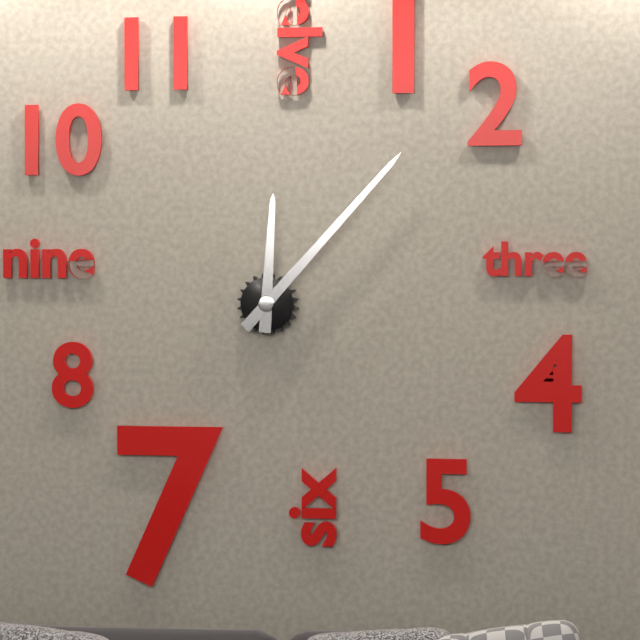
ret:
12:07
